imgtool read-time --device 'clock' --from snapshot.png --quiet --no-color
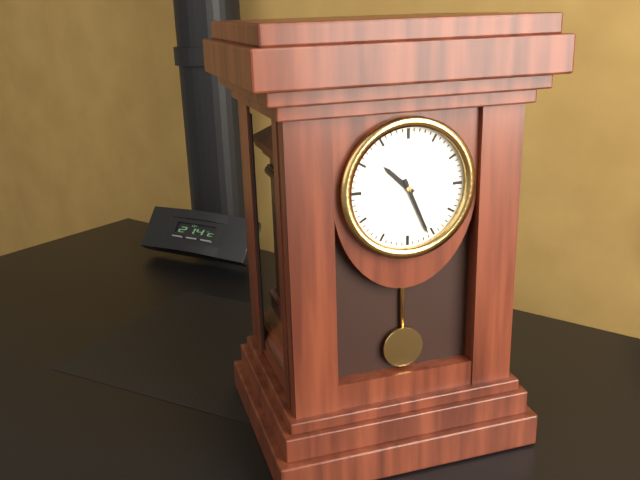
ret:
10:26
